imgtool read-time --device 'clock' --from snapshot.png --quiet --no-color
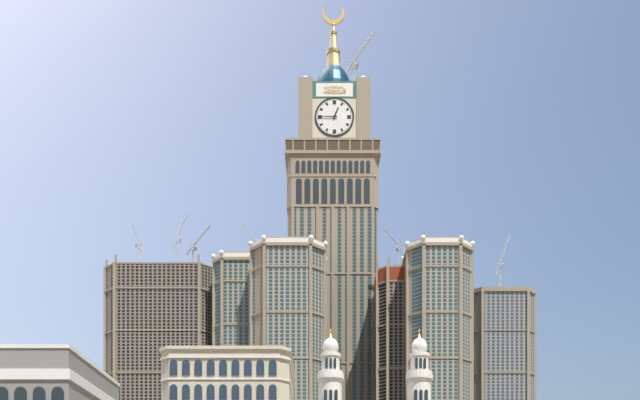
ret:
12:45
